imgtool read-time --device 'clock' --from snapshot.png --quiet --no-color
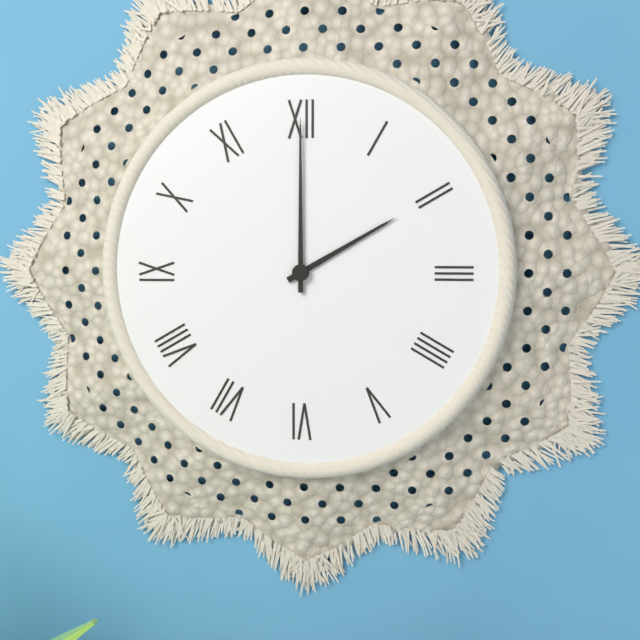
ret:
2:00
